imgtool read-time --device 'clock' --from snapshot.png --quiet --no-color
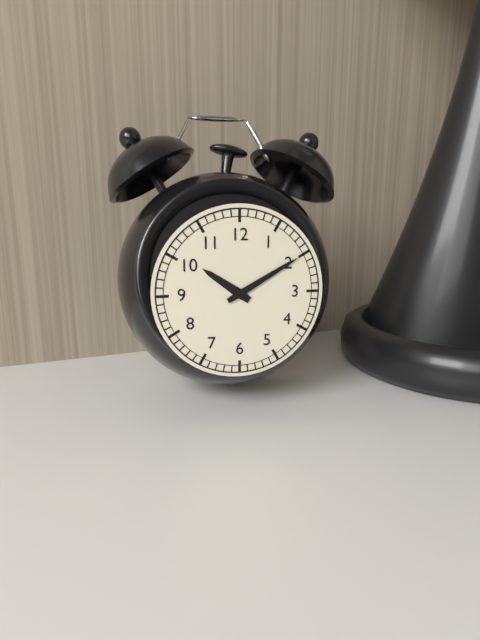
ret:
10:10
